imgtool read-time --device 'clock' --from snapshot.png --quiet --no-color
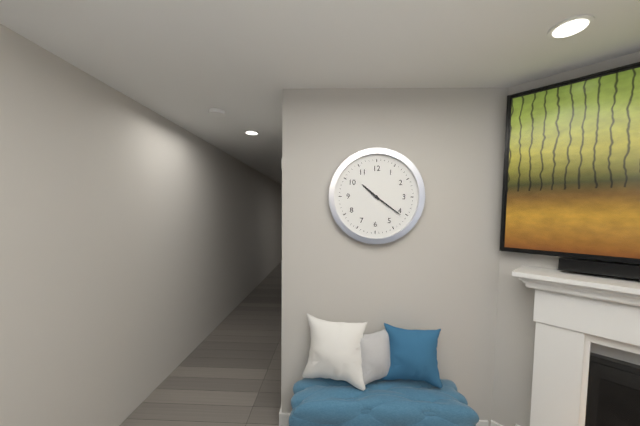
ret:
10:21
